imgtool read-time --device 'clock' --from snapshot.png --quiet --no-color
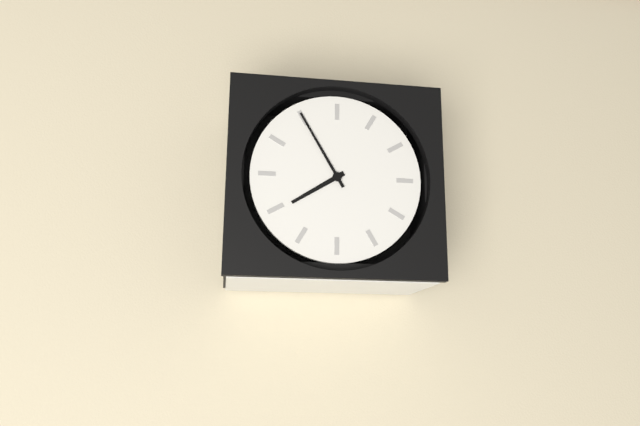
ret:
7:55
